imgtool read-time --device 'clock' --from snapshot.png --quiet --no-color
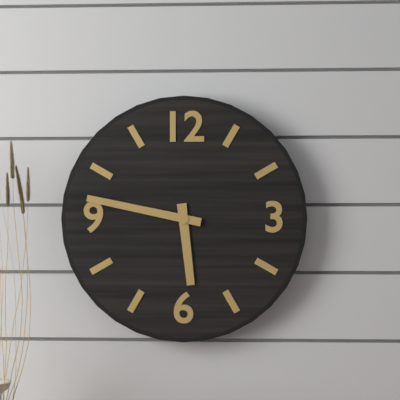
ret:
5:47
